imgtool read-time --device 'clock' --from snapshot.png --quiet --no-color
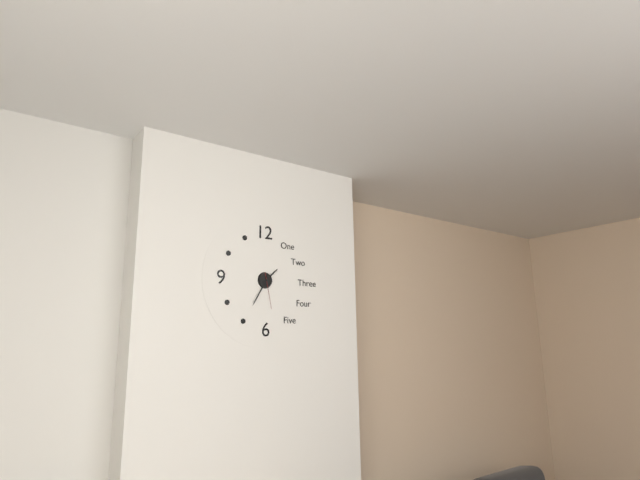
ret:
1:35
